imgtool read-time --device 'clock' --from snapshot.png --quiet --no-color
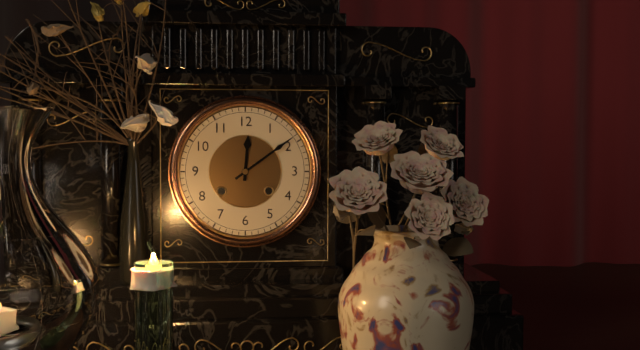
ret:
12:09
